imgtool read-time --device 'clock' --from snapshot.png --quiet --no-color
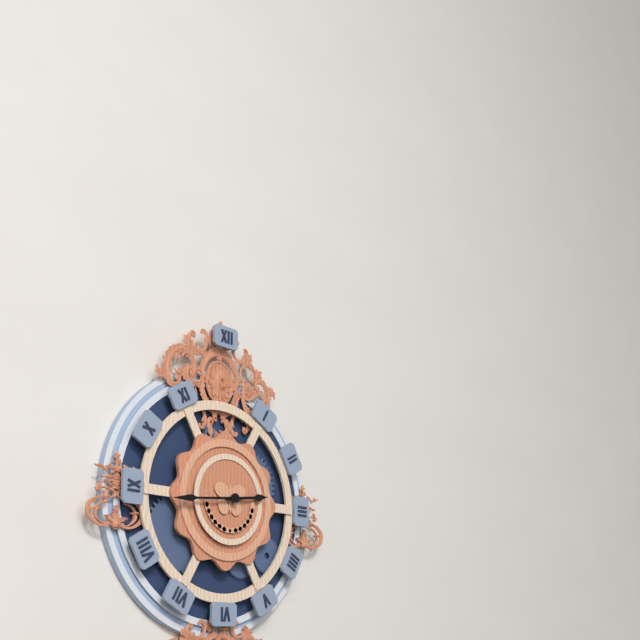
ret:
2:44
